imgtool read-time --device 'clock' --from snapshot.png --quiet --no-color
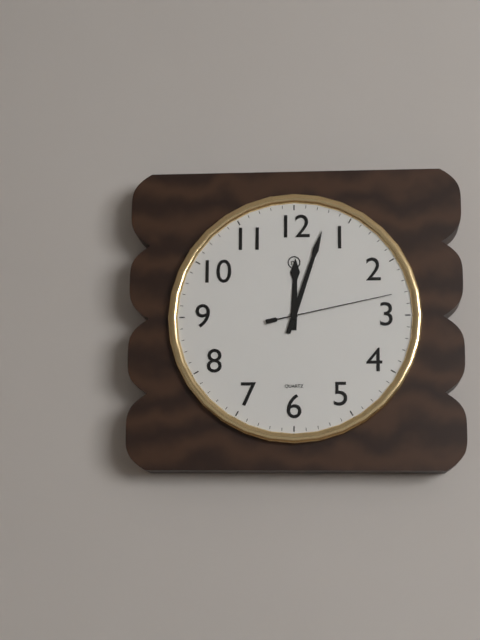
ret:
12:03:13
